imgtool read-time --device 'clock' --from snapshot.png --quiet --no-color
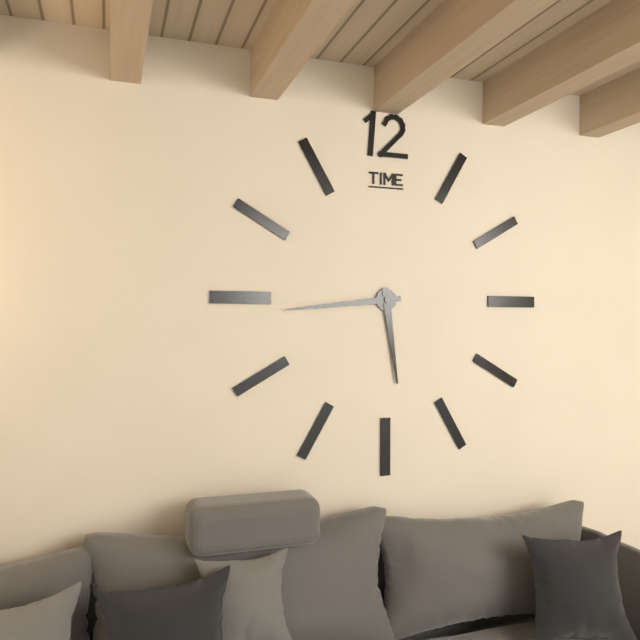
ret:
5:44
